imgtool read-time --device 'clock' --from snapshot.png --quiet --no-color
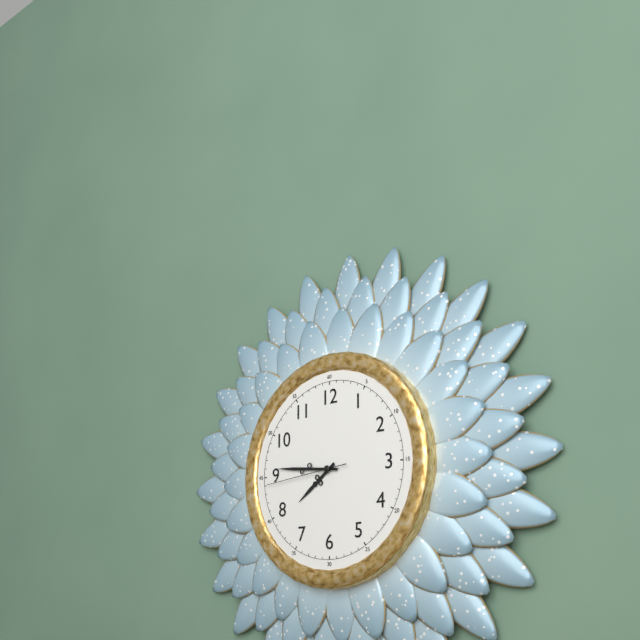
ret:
7:46:44
